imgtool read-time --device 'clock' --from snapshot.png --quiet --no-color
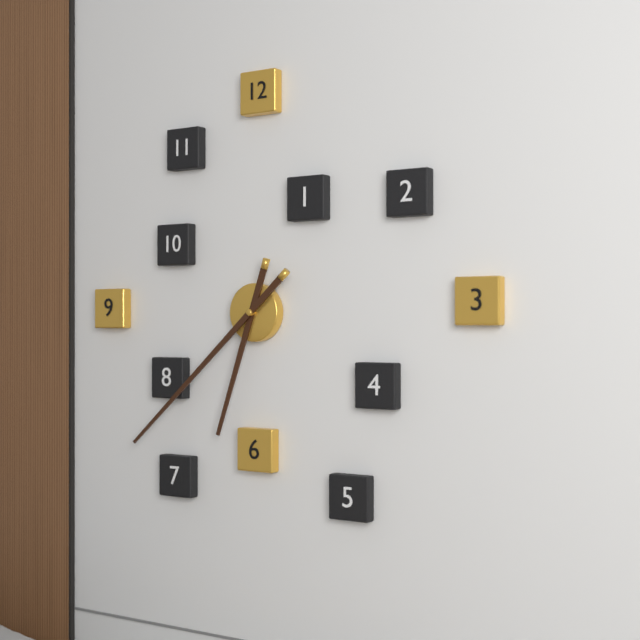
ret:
6:38
